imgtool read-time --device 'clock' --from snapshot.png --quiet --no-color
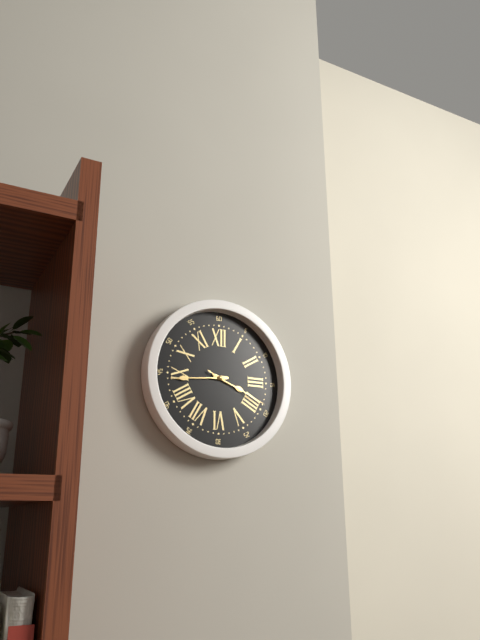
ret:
3:44:19
